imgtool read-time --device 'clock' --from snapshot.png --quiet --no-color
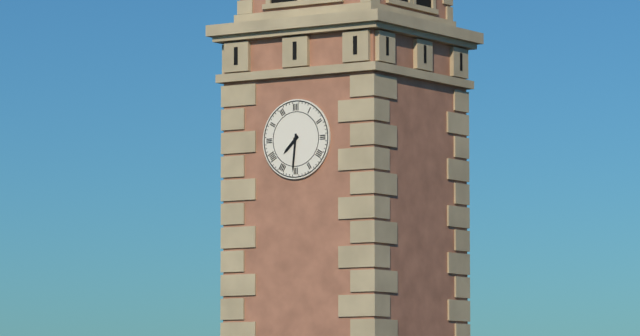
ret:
7:31
